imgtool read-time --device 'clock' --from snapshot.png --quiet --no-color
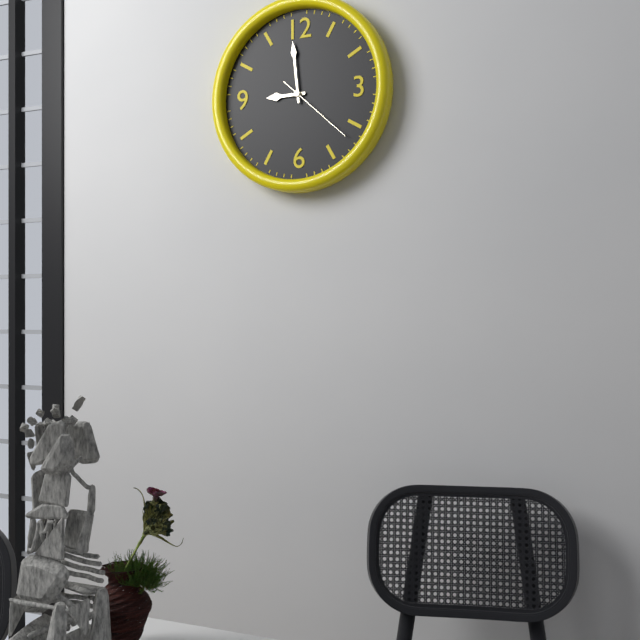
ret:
8:59:22
